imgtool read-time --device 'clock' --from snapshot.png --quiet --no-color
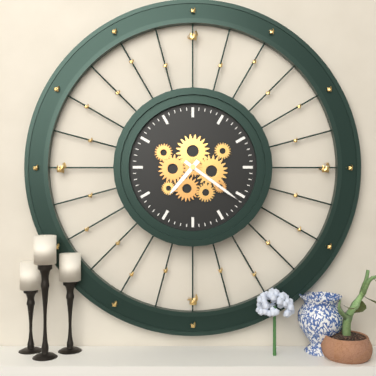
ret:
7:21
